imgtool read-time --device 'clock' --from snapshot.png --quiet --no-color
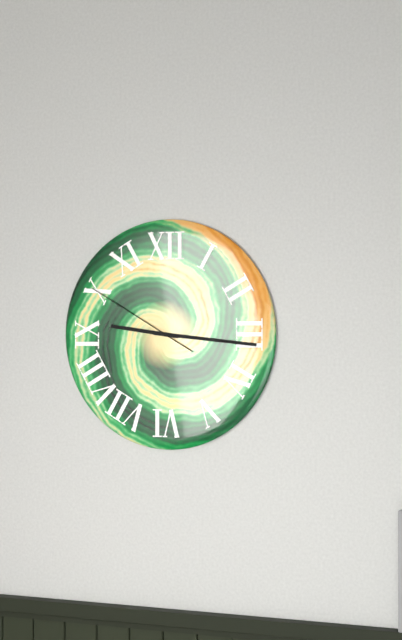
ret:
9:16:50
